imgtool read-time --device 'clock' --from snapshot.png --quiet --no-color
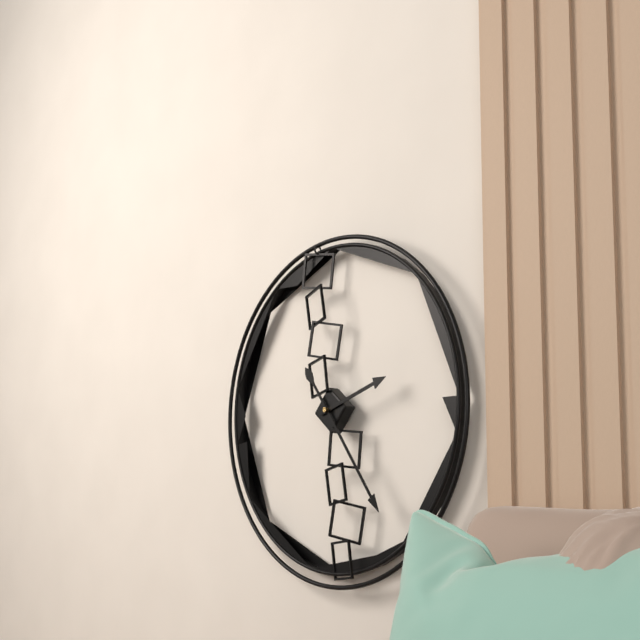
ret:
2:24
